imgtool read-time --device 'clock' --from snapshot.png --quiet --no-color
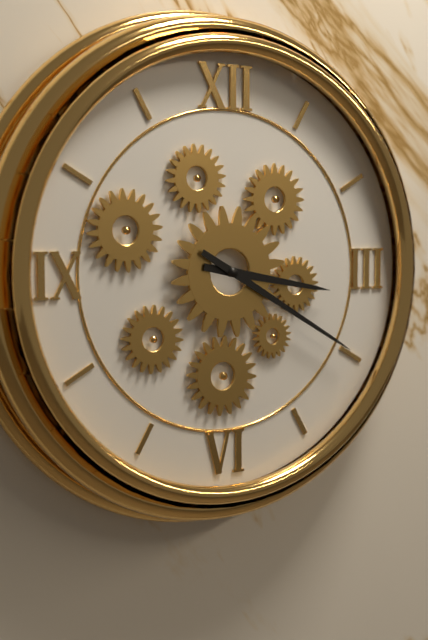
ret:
3:20
